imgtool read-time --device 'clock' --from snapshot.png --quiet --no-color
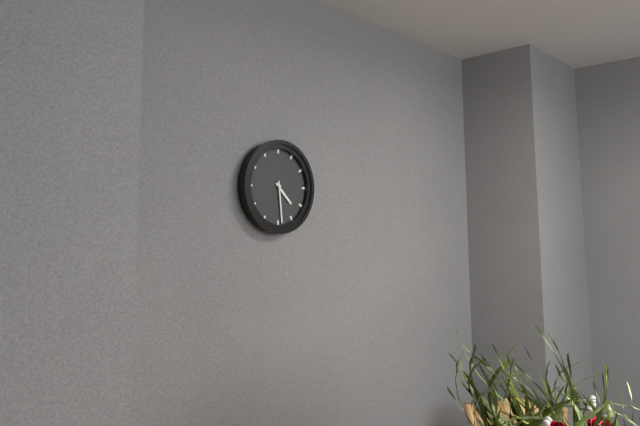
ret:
4:29
